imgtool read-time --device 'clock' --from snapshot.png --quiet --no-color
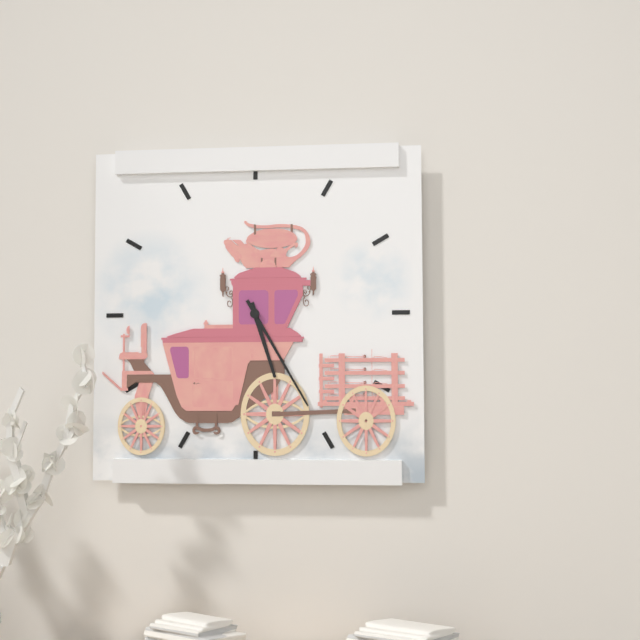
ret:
5:25
